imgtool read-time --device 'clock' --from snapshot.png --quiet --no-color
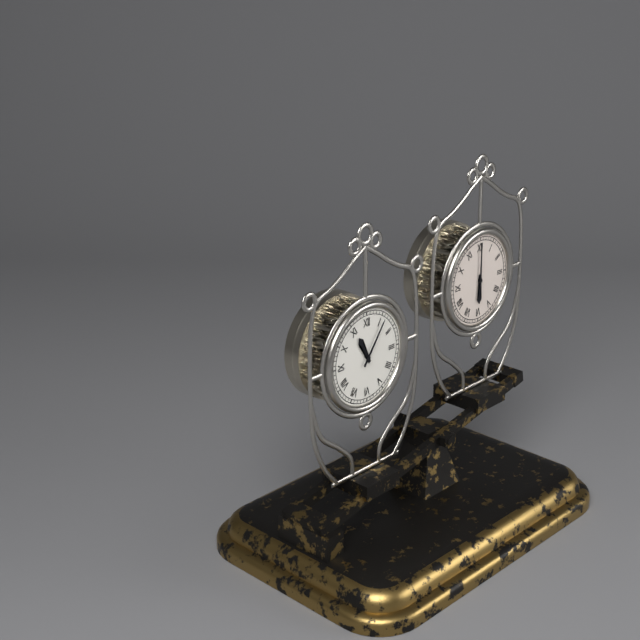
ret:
11:06
